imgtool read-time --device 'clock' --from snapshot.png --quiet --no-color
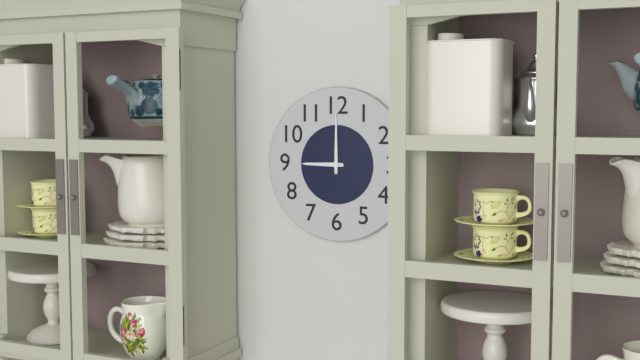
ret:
9:00
